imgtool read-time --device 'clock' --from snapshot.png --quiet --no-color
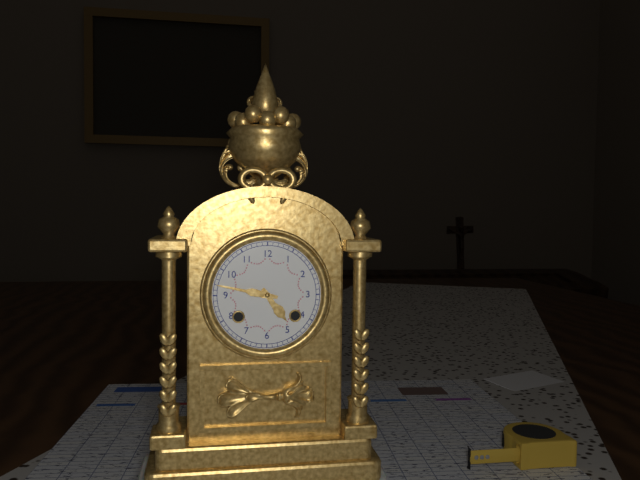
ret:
4:47
